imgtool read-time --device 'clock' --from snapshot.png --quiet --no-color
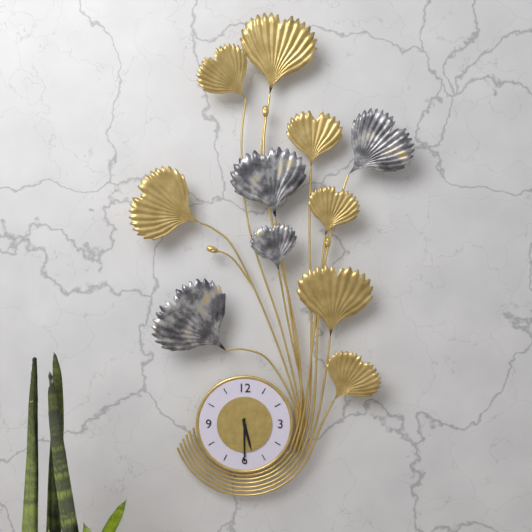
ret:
5:30
